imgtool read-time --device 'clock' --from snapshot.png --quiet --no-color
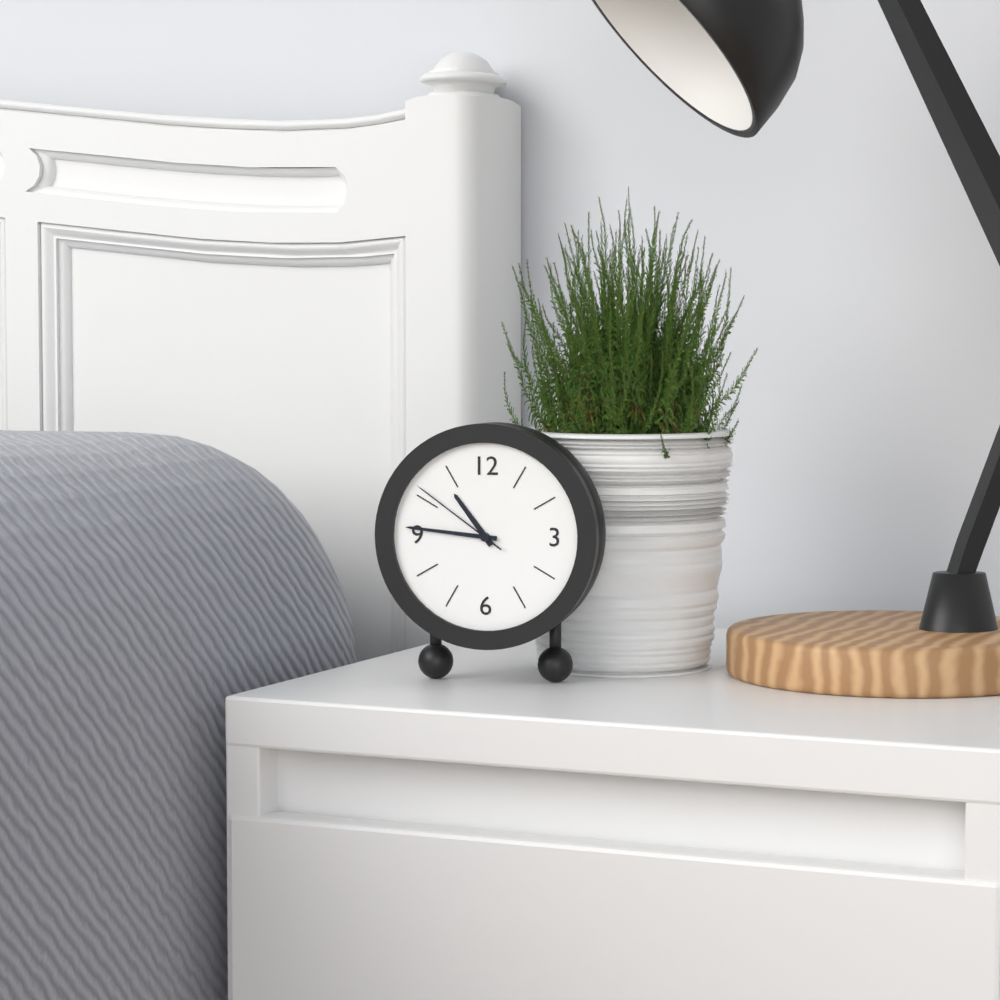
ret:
10:46:51
